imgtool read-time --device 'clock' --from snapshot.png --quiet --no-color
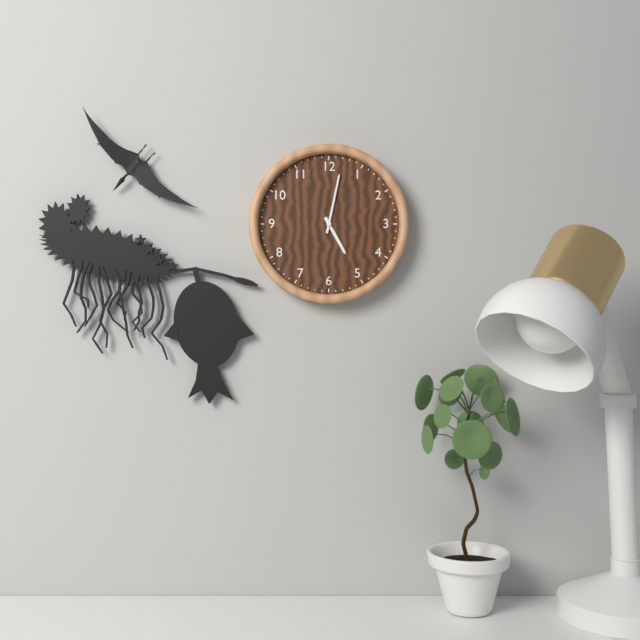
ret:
5:02
